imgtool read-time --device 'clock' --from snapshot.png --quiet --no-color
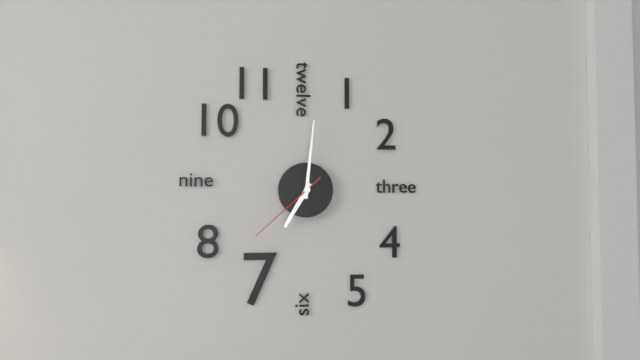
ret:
7:01:38
